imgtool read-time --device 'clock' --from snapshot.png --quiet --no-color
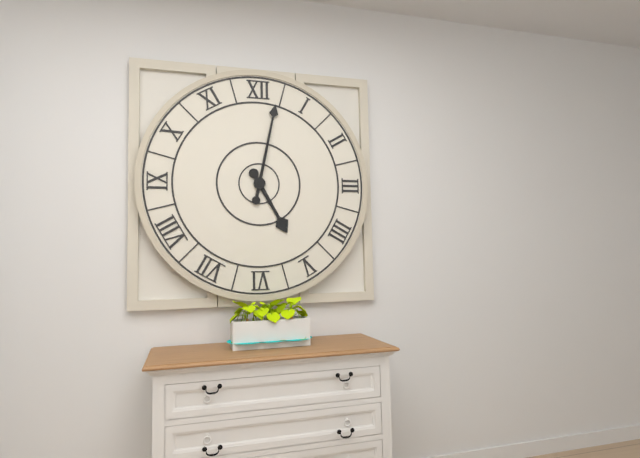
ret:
5:02
